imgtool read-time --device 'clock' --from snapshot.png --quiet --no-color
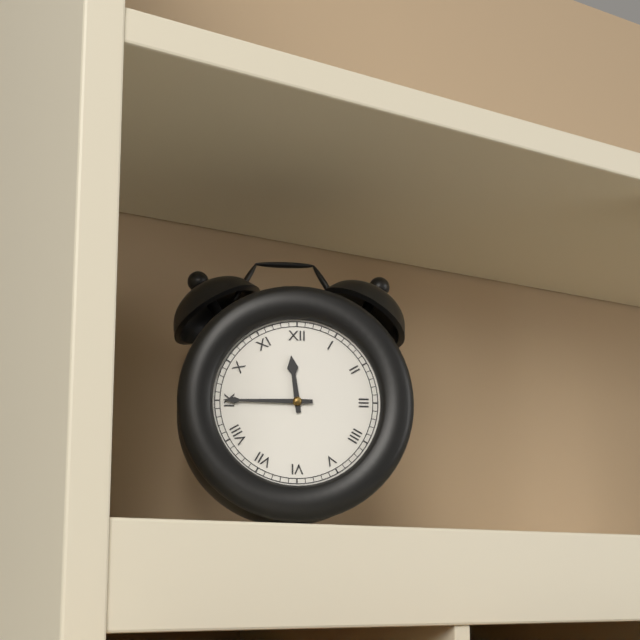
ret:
11:45
